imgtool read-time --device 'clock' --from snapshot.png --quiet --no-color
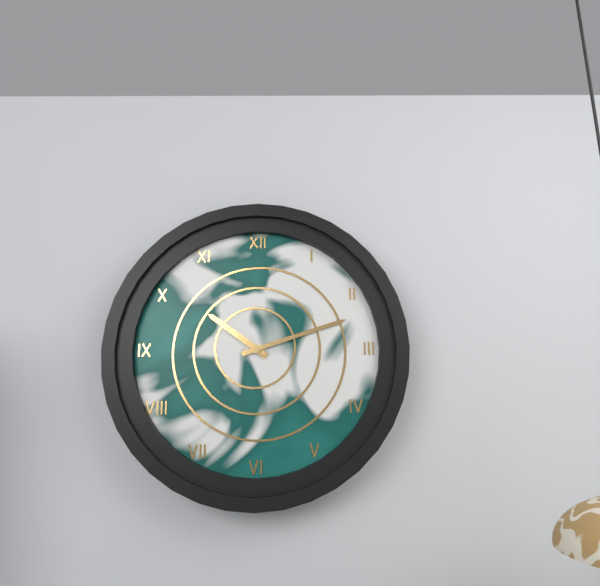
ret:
10:12
